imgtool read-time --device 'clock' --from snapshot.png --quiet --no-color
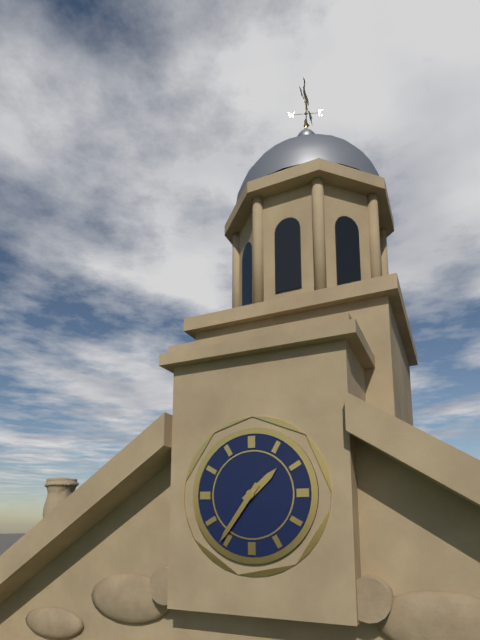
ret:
1:36
